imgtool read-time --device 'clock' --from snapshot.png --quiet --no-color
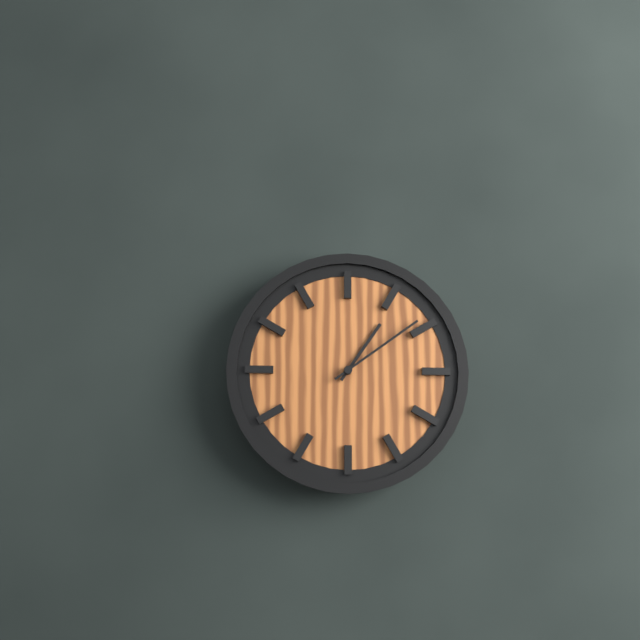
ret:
1:09
